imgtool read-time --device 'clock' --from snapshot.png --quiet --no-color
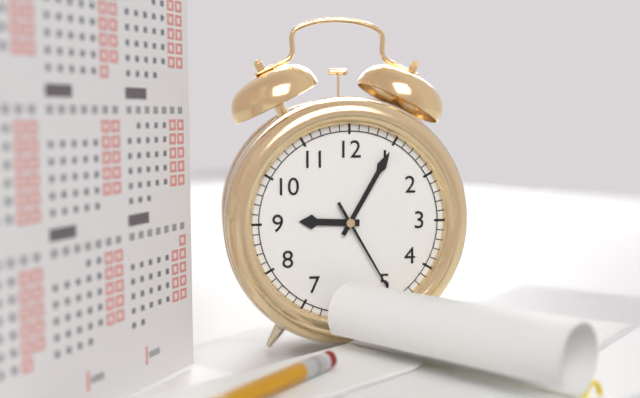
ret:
9:05:25
